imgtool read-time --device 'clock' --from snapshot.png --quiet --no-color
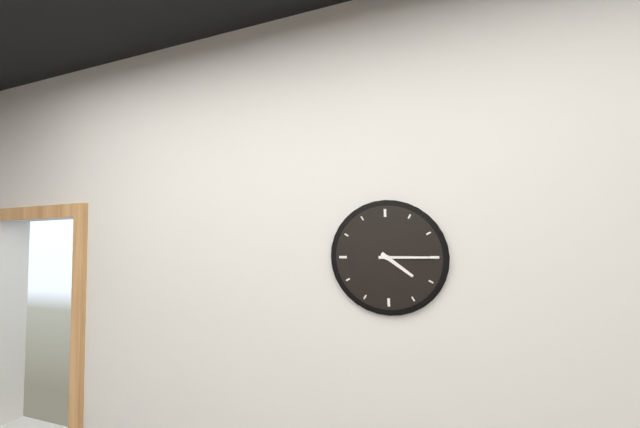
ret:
4:15
